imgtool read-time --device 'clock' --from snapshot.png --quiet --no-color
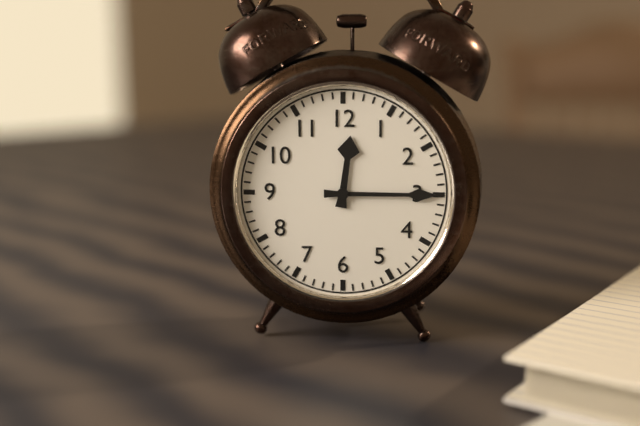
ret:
12:15
